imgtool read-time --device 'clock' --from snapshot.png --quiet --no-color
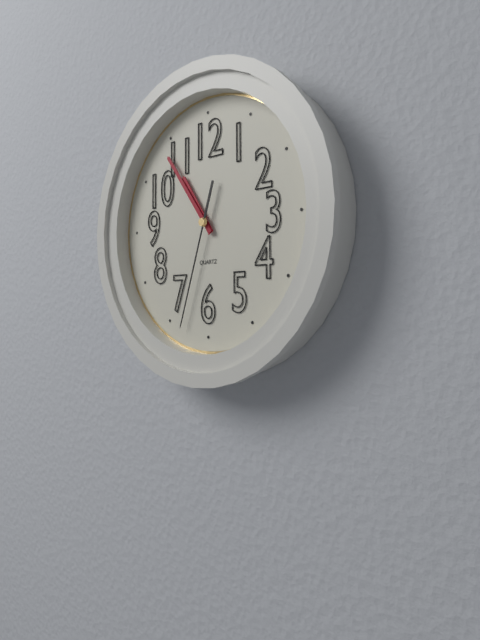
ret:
10:54:33
